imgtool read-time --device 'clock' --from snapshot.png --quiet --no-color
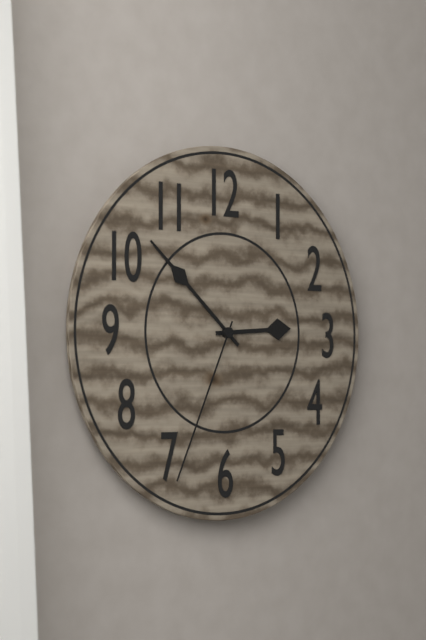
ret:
2:52:34
